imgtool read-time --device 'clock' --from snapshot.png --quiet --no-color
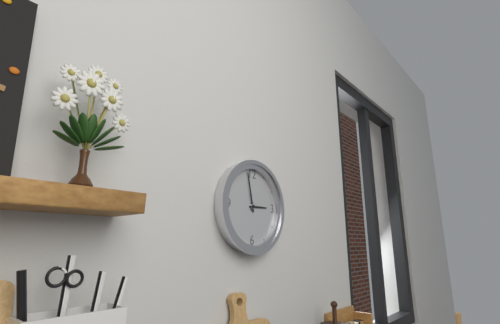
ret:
2:58
